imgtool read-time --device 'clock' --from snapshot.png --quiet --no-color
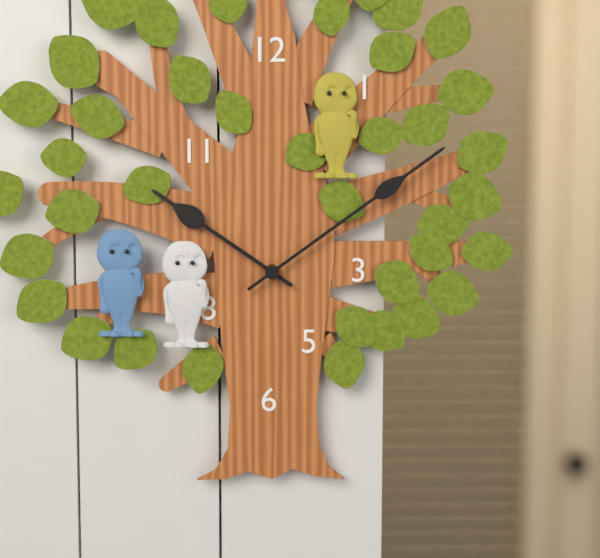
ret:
10:09
